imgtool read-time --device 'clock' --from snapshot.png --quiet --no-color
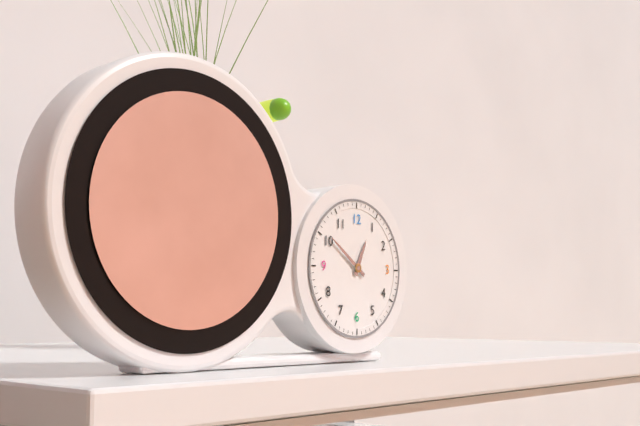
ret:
12:51
